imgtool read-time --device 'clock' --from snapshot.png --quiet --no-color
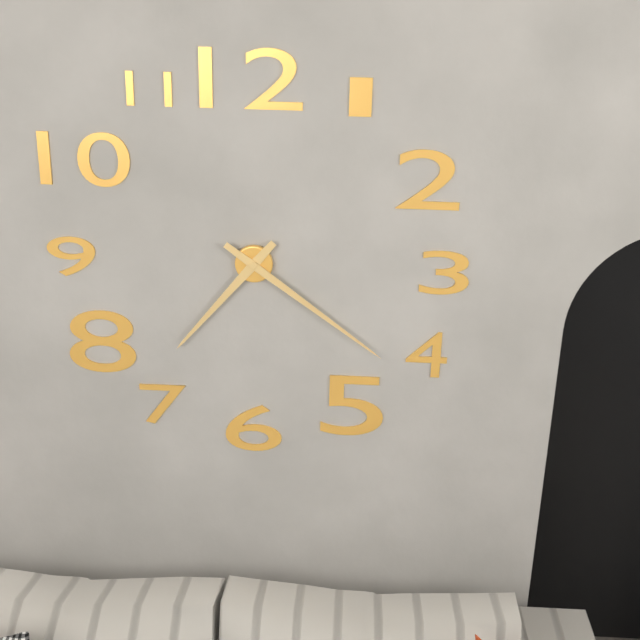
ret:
7:21
